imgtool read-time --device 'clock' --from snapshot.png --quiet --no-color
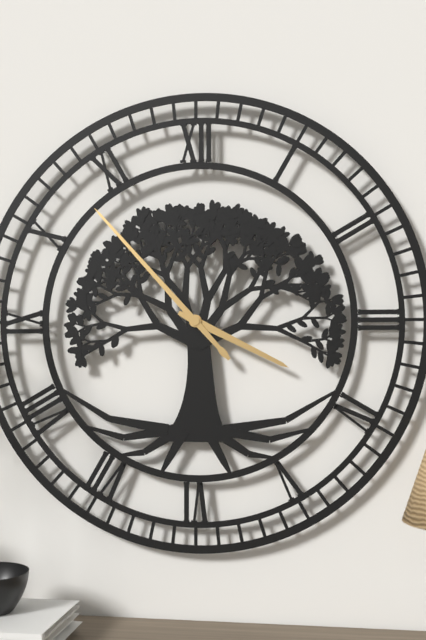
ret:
3:53
